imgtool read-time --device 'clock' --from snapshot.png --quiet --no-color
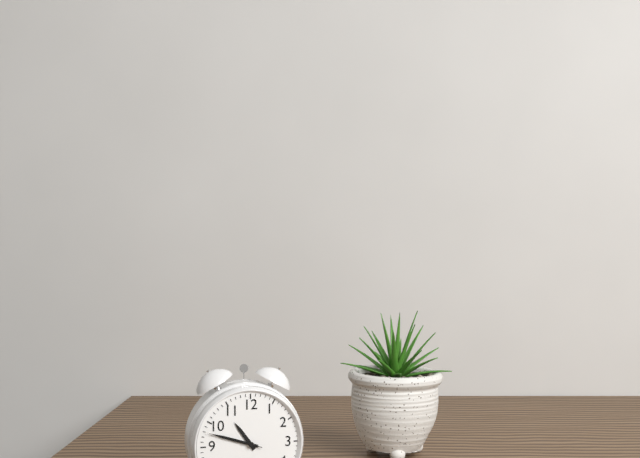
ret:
10:48:48
